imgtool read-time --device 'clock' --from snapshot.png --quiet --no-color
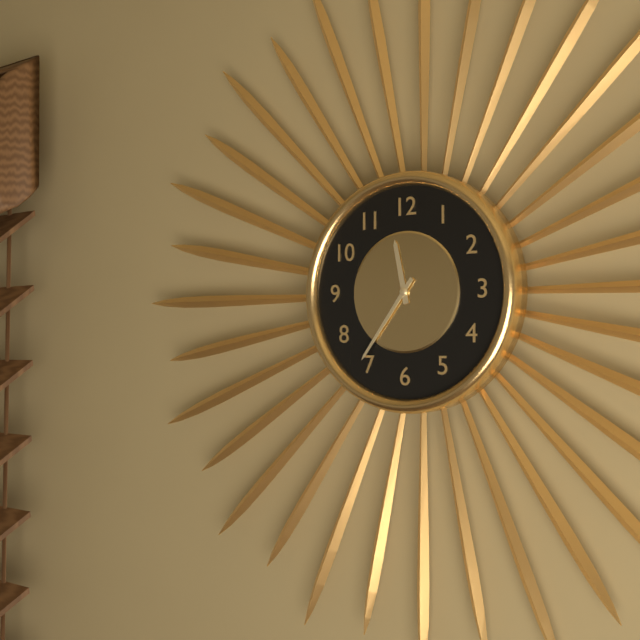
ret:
11:36
